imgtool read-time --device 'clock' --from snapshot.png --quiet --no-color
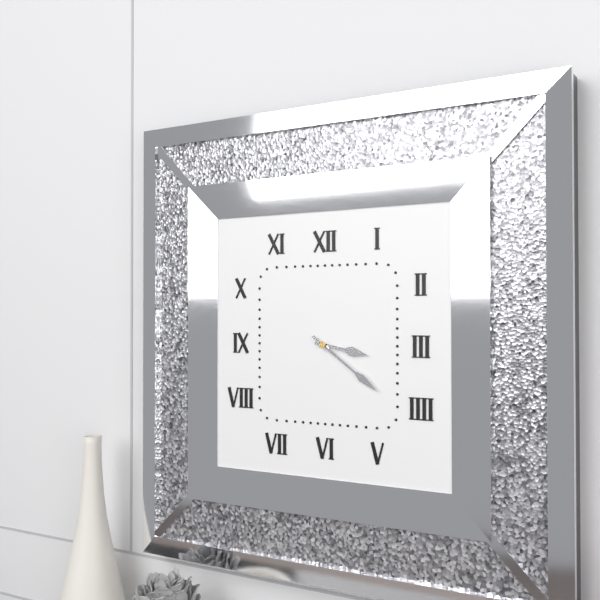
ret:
3:21
